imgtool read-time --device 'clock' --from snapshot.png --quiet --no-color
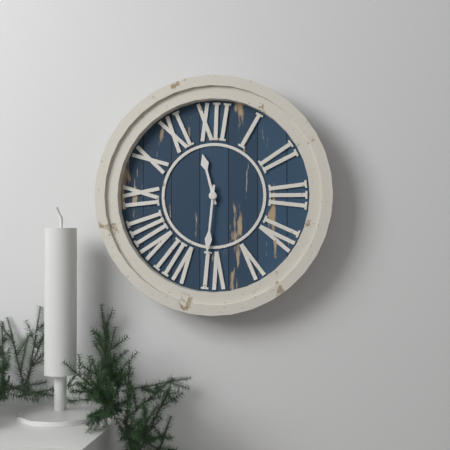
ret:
11:31
